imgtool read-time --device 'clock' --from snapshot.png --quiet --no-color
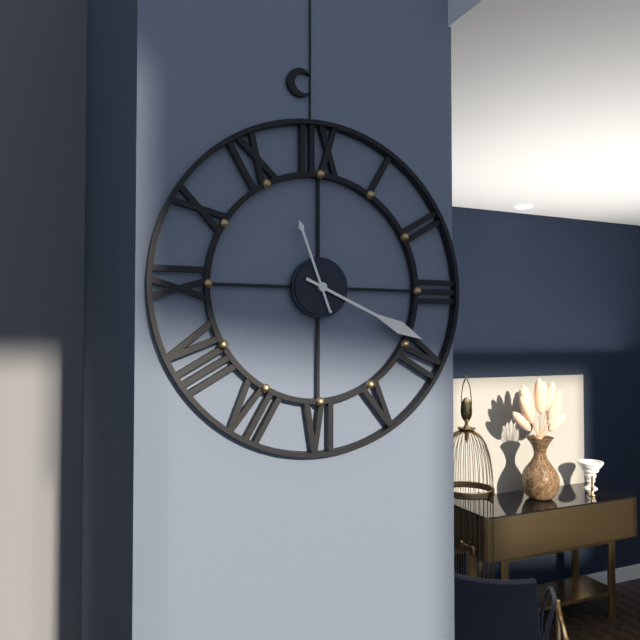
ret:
11:19
